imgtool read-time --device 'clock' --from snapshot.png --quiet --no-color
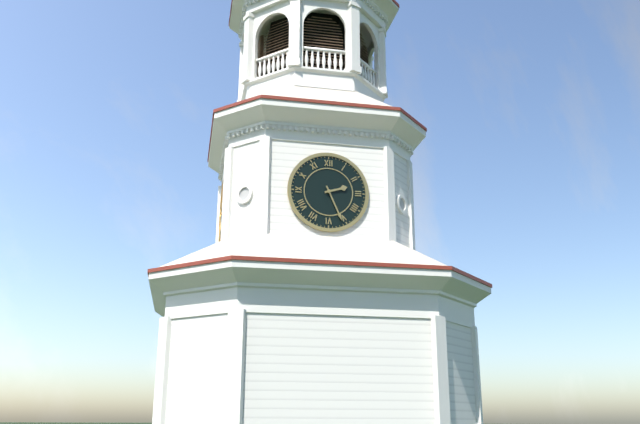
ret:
2:26
